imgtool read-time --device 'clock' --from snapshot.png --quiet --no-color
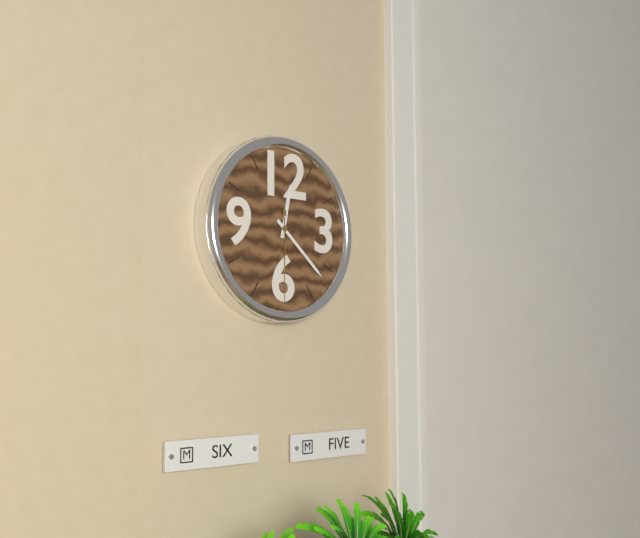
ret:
12:22:30
